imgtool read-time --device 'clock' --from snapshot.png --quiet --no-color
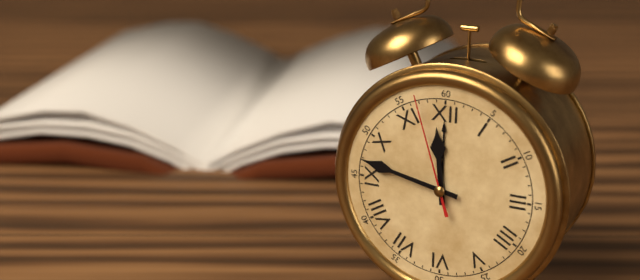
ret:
11:47:57
